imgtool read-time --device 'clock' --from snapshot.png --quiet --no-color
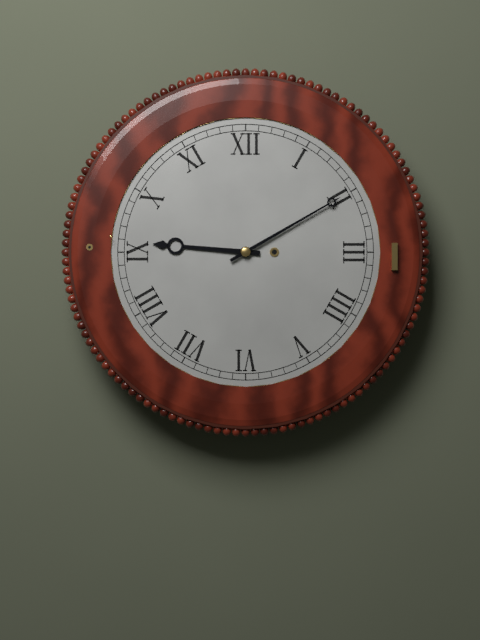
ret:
9:10
